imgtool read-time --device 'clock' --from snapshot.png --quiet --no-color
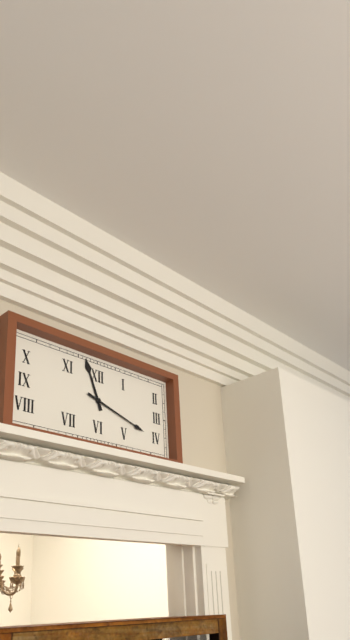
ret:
11:18
